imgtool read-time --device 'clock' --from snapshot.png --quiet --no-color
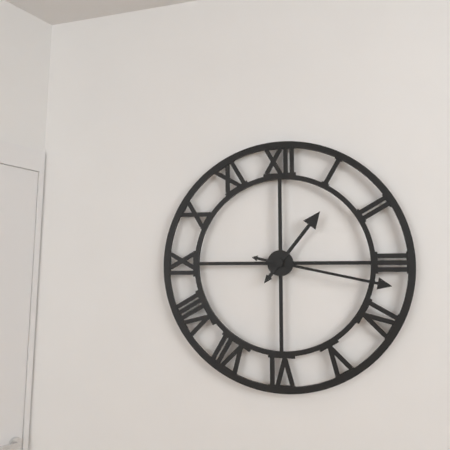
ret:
1:17
